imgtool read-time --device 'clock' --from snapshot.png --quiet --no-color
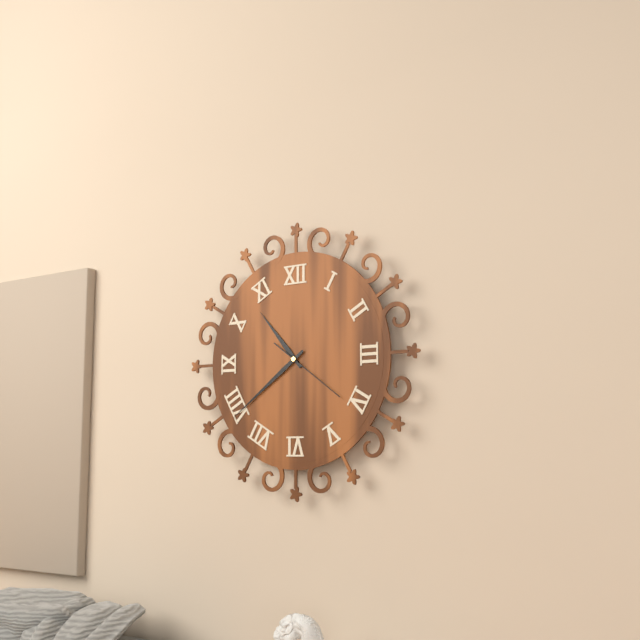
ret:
10:39:21
